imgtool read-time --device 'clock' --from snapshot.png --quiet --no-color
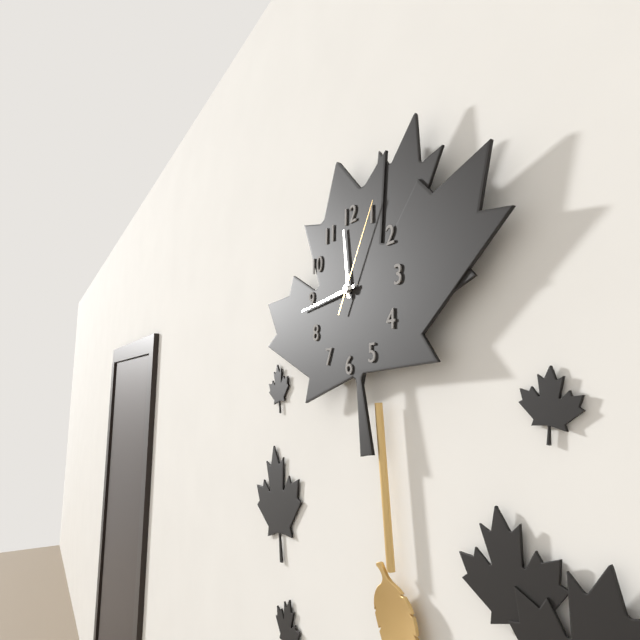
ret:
11:44:05
